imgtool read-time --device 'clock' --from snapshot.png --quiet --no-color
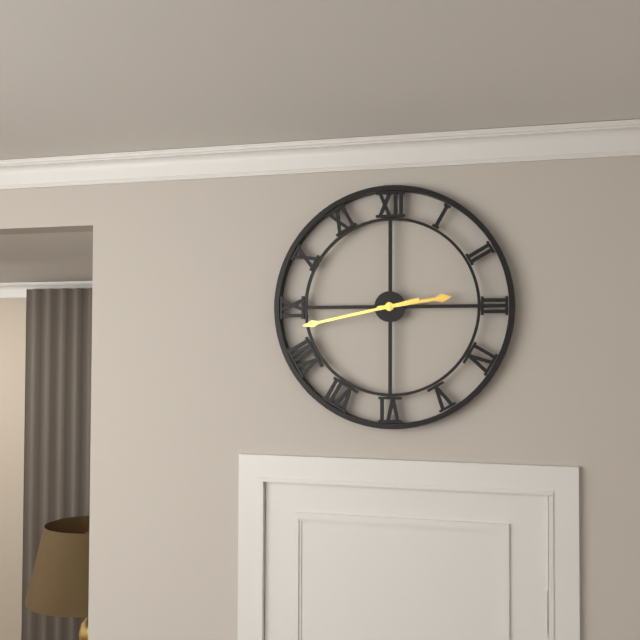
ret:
2:43
